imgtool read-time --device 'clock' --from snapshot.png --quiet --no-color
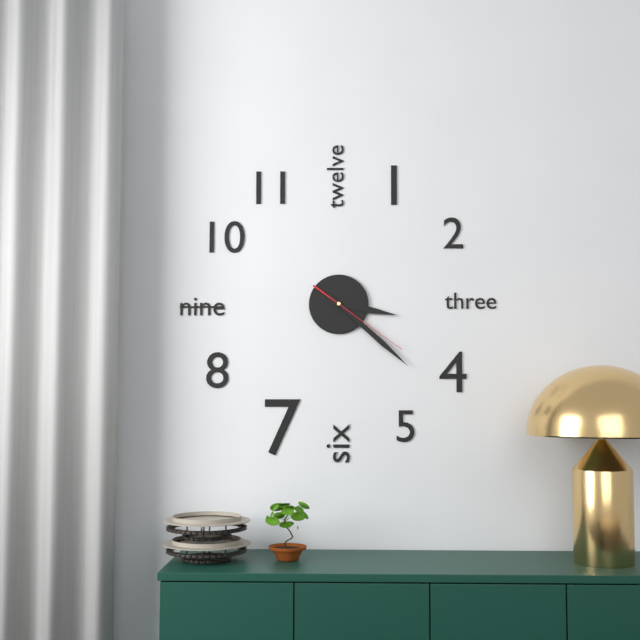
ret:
3:22:21
